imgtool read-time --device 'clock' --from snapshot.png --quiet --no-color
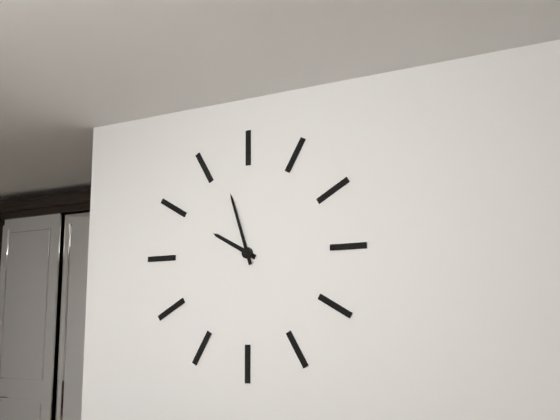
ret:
9:57
